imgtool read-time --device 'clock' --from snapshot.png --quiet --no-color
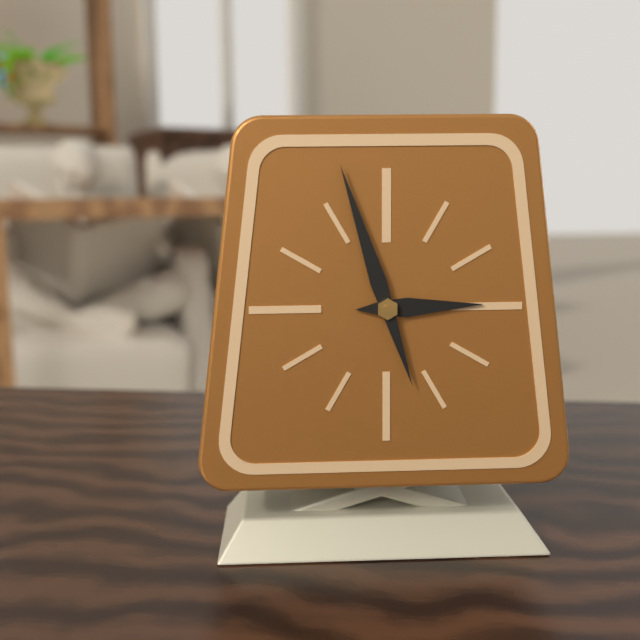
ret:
2:57
